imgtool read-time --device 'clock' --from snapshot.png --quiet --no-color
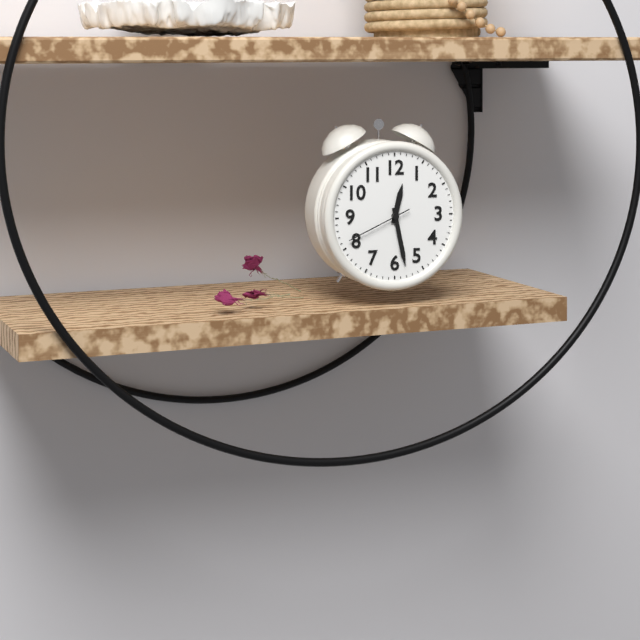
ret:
12:28:41
